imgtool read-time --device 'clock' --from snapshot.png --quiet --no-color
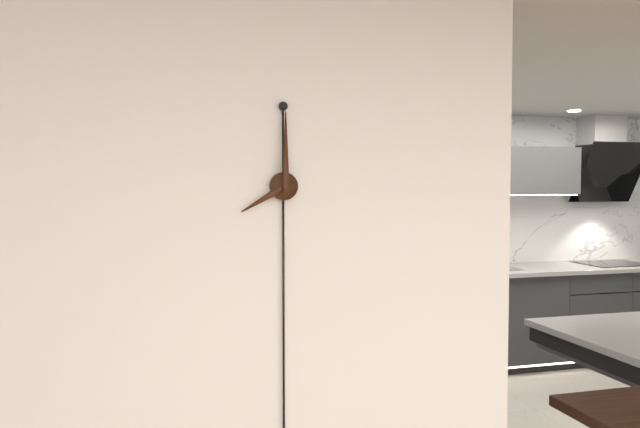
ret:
8:00
